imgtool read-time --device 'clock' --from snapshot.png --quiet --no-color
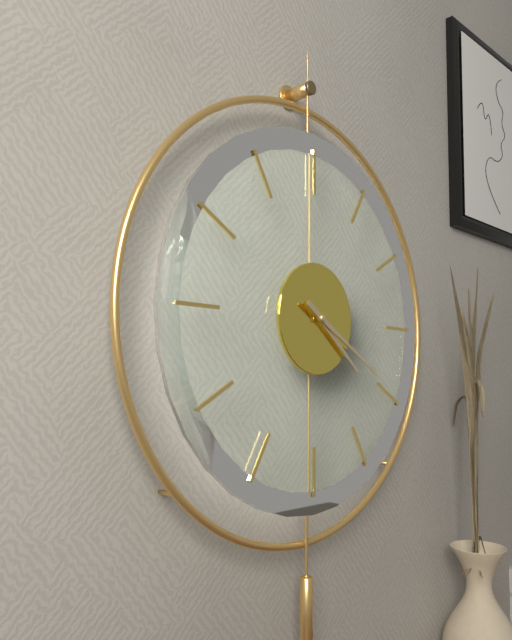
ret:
4:20
